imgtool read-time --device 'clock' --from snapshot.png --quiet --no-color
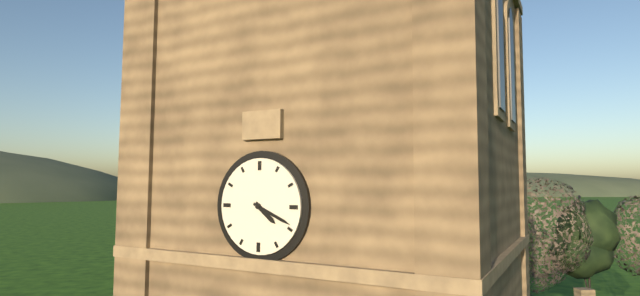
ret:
4:19
